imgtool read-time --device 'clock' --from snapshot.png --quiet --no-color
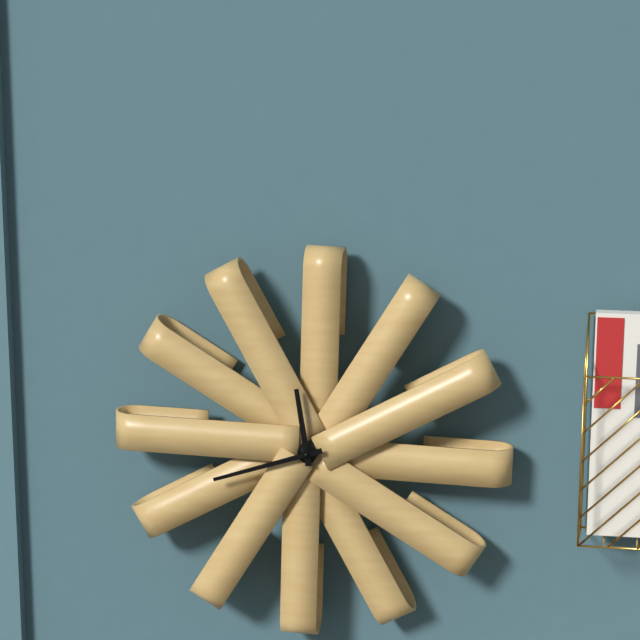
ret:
11:42
